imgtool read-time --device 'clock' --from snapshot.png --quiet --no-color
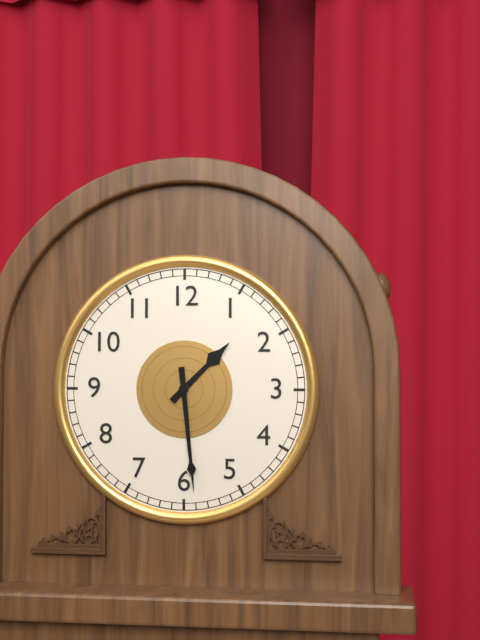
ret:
1:29
